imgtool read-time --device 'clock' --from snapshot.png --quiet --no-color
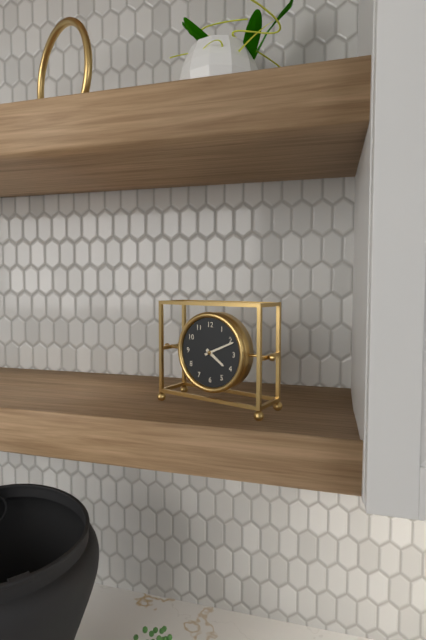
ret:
4:11
